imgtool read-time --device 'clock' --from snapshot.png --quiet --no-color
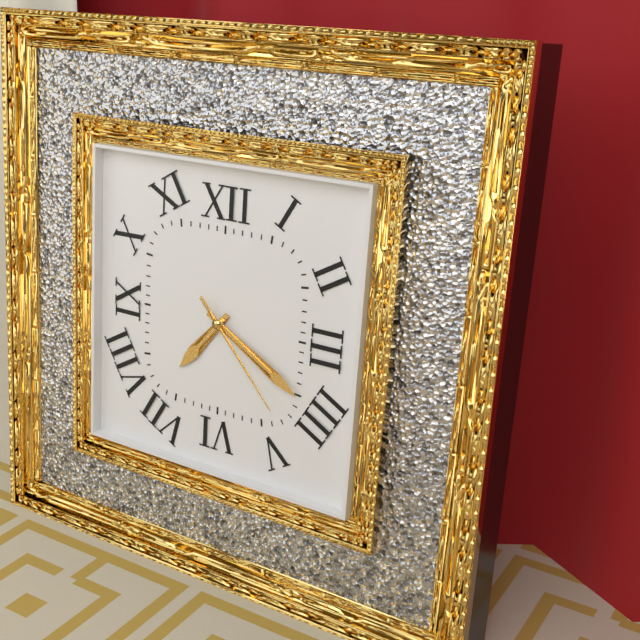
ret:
7:20:23
